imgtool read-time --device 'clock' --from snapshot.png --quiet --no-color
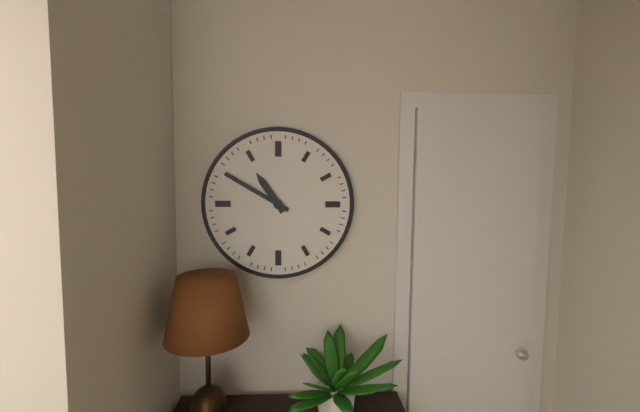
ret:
10:50
